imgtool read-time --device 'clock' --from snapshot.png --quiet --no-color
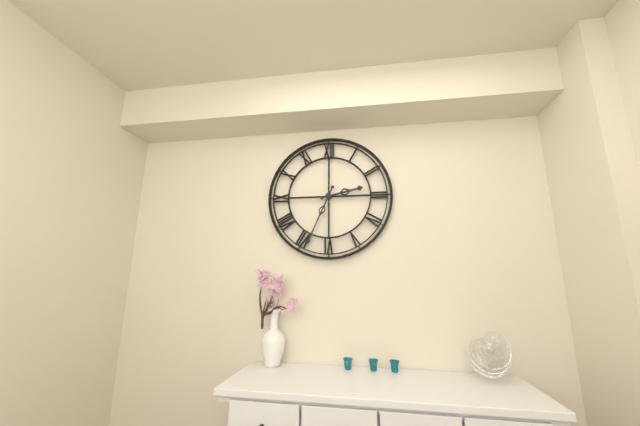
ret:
2:34
